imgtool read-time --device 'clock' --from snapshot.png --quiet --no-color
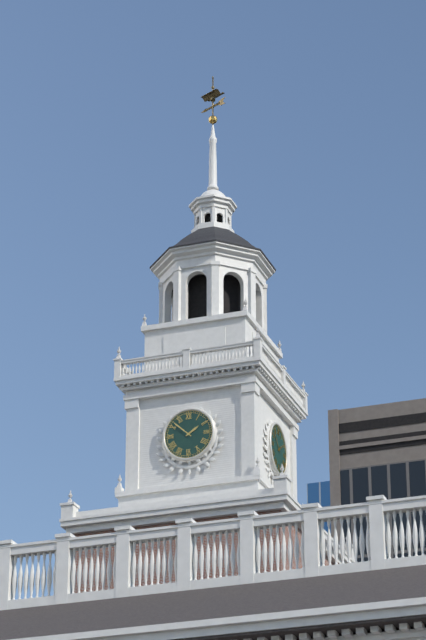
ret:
1:52
